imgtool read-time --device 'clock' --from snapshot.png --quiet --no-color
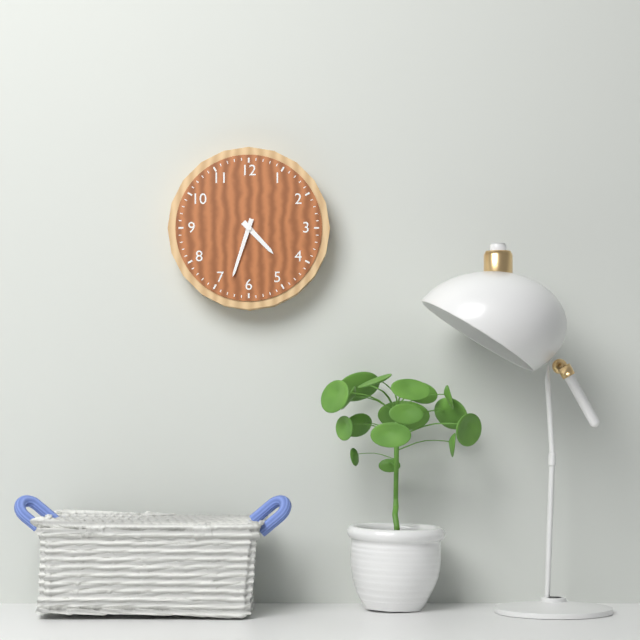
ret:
4:33
